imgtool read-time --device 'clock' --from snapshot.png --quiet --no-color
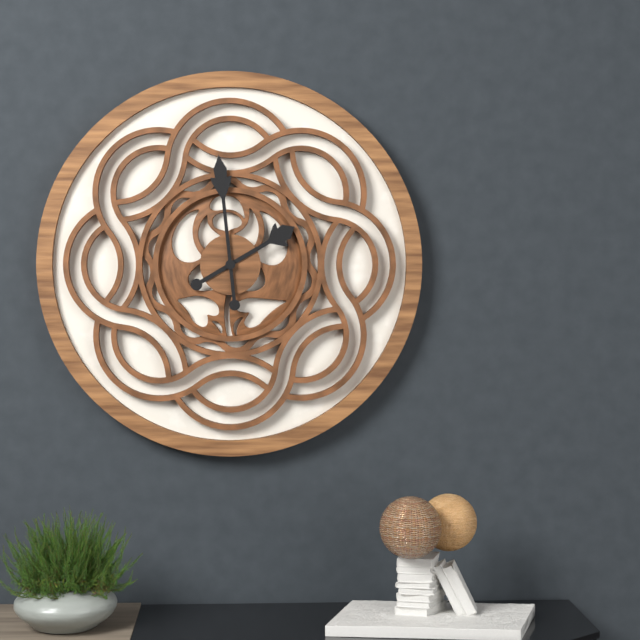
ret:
1:59
